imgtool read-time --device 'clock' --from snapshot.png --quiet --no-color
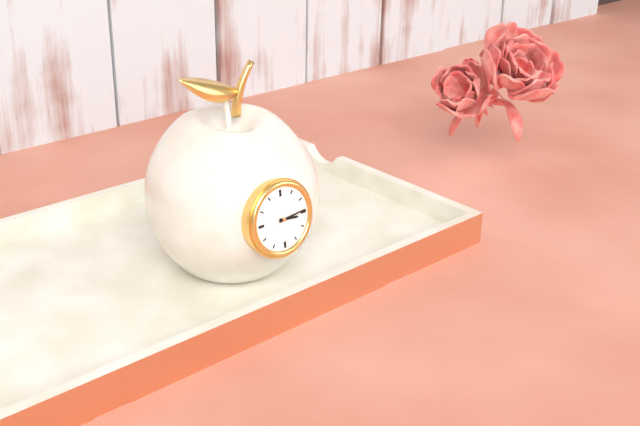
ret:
3:14
